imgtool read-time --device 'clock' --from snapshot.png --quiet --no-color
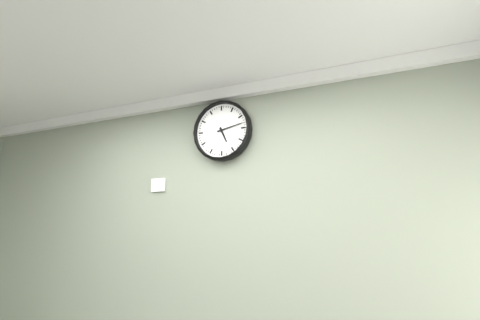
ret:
5:13
